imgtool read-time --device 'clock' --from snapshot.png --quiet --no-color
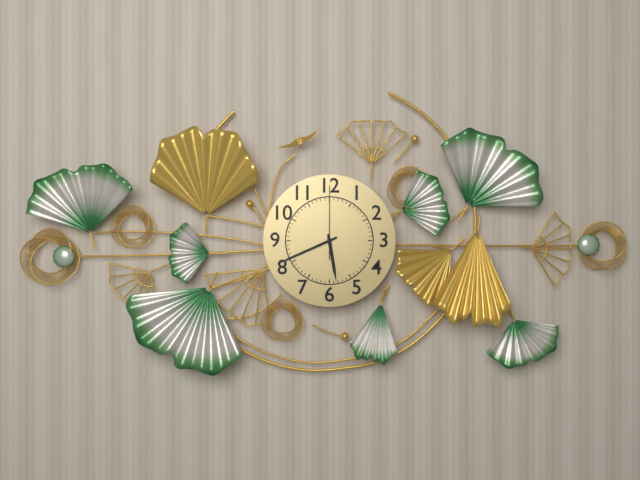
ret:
5:41:00
